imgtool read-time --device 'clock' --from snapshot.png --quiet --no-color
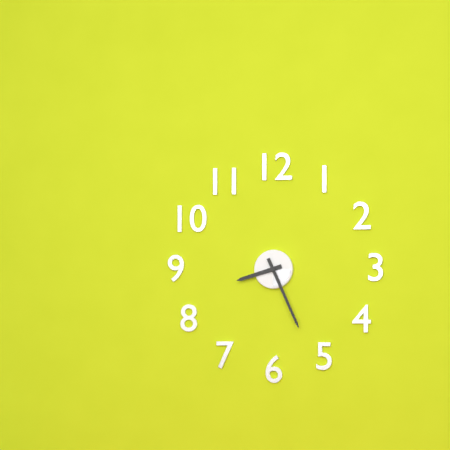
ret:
8:26
